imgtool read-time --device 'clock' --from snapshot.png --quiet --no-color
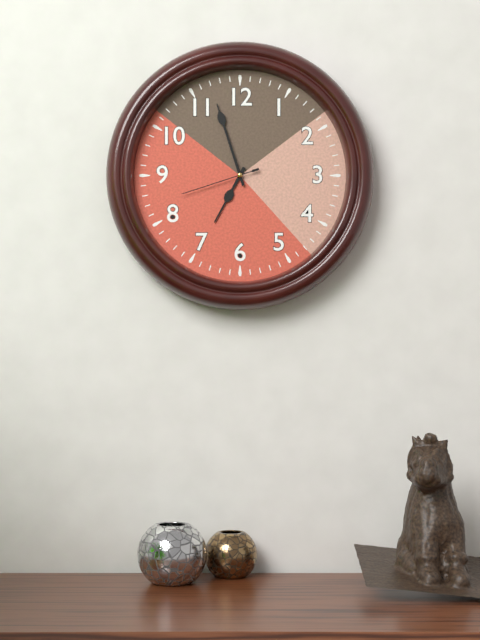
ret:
6:57:42
